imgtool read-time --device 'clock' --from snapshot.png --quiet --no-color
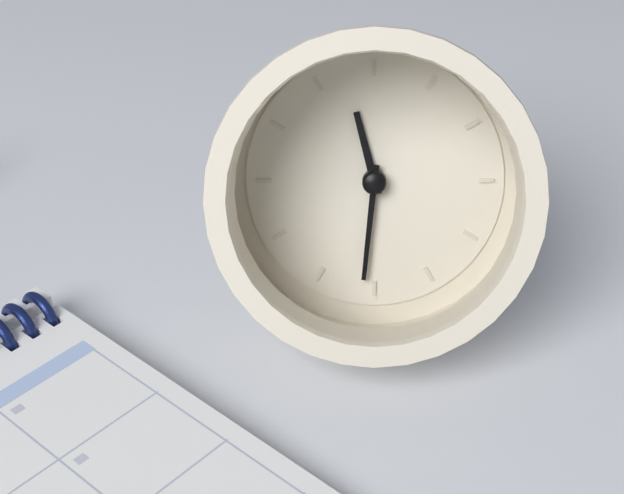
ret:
11:31
